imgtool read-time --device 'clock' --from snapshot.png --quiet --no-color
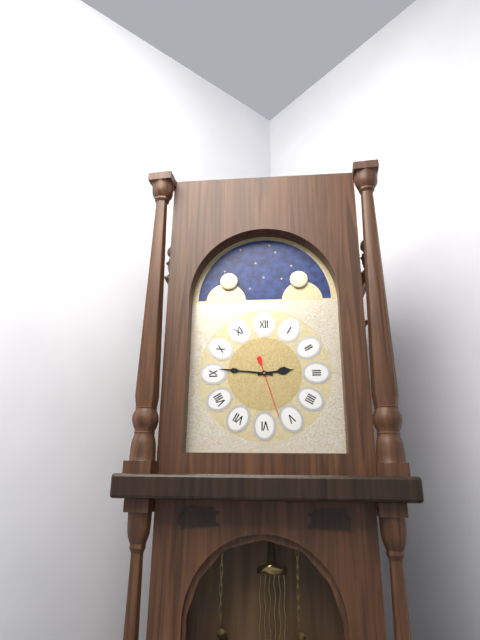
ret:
2:46:27
